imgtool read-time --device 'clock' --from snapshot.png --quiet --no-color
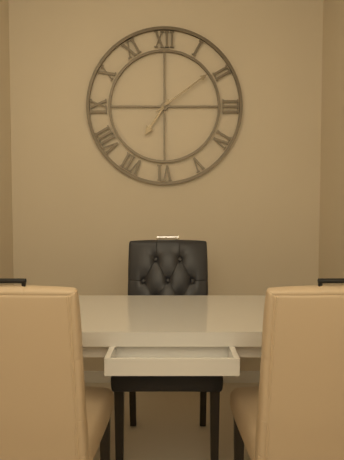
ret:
7:09
